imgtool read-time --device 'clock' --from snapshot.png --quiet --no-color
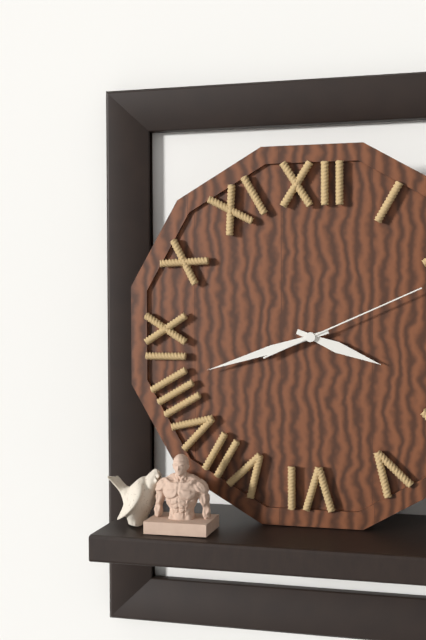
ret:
3:42:11
